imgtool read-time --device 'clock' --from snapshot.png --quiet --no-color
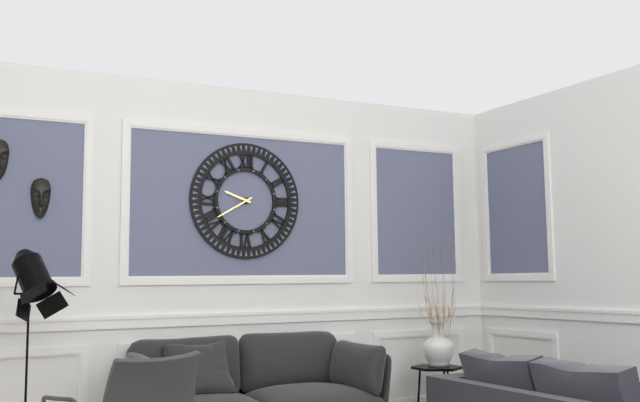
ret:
9:40
